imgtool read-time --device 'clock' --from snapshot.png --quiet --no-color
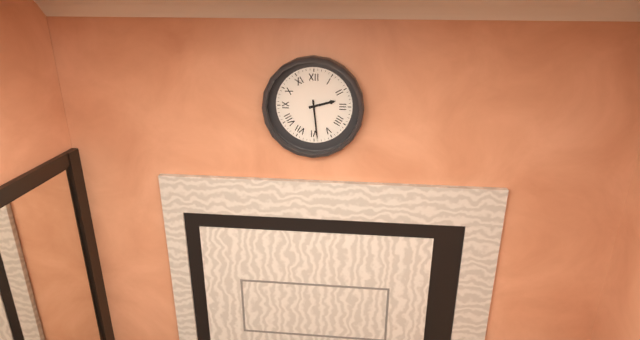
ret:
2:29
